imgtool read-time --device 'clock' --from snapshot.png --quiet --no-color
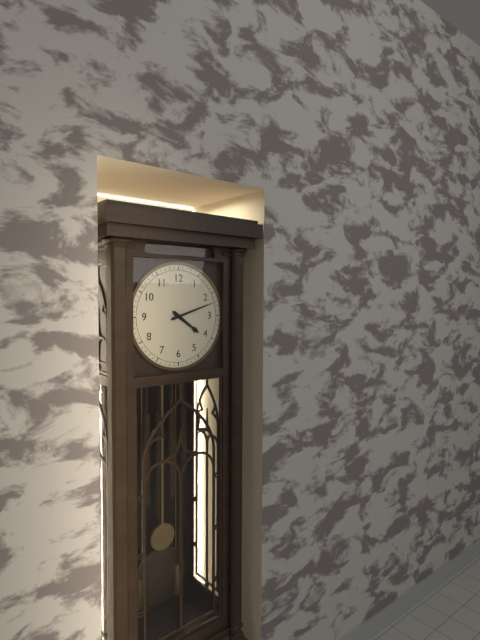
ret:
4:12
